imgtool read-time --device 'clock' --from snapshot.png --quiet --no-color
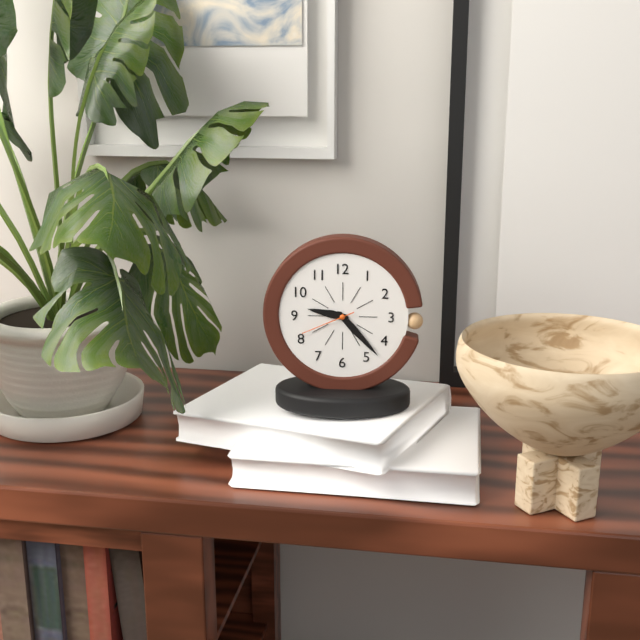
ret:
9:23:41
